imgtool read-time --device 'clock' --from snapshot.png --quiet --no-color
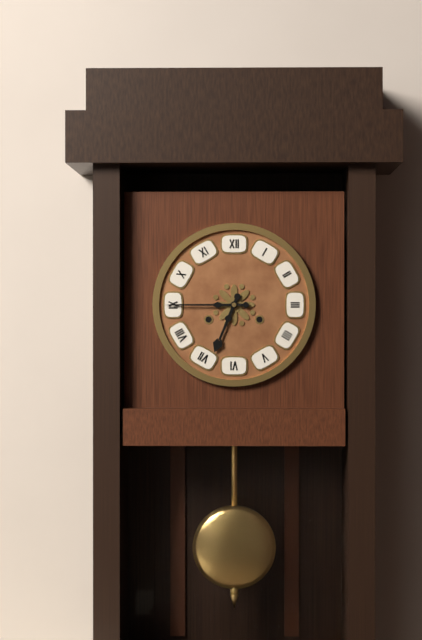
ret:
6:45
